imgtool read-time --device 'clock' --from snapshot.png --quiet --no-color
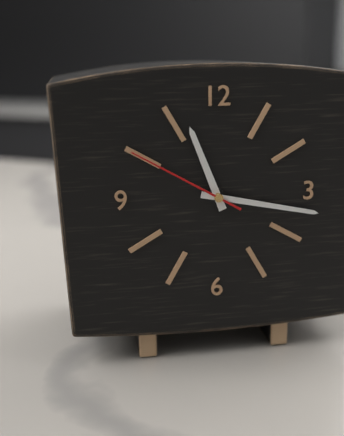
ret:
11:17:50
